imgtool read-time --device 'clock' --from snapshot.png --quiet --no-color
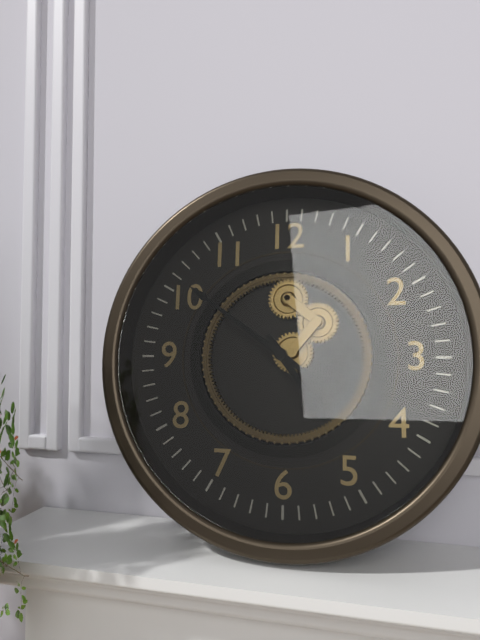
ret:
4:51
